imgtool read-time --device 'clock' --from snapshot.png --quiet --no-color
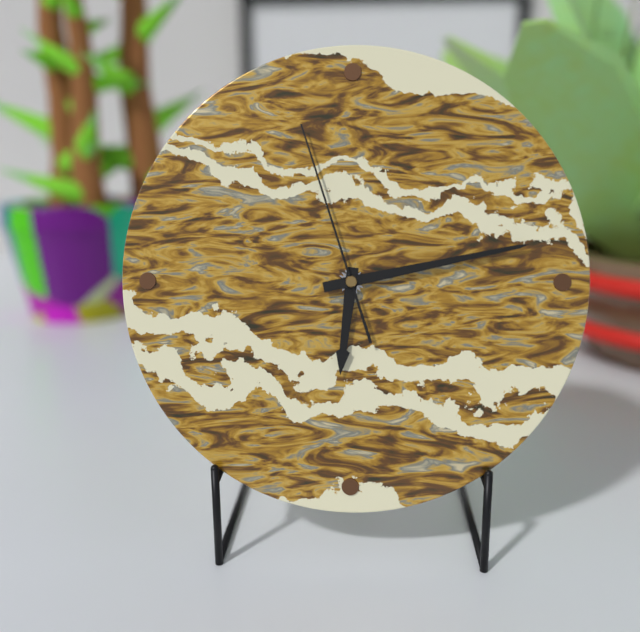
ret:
6:13:57
